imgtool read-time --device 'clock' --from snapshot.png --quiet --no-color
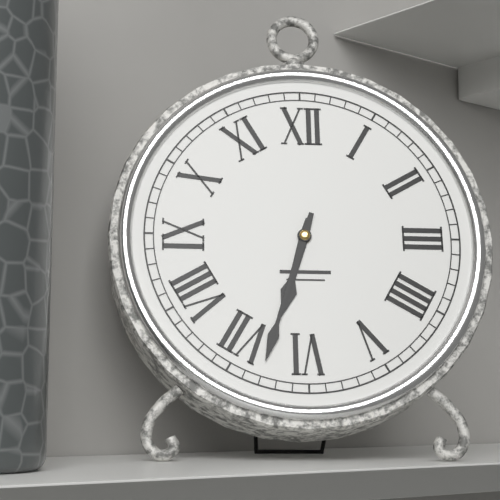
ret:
6:33
